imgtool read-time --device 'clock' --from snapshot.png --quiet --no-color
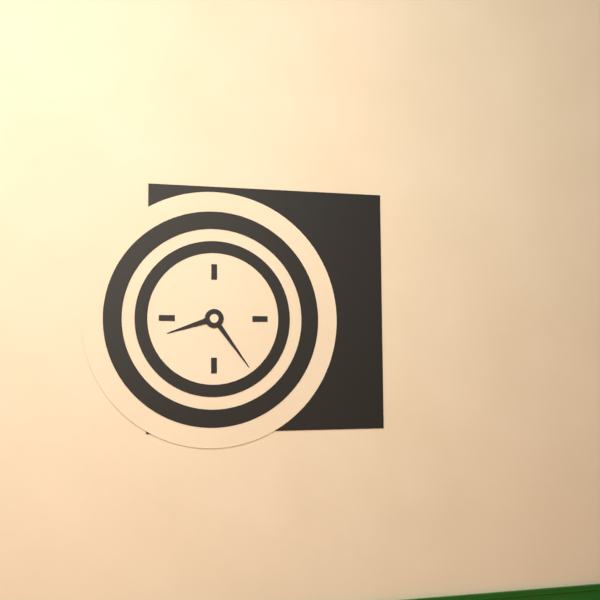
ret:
8:24
